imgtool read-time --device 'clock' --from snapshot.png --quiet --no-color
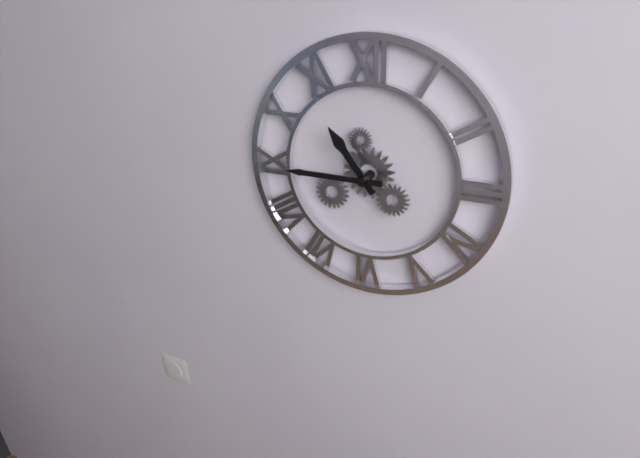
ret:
10:45
